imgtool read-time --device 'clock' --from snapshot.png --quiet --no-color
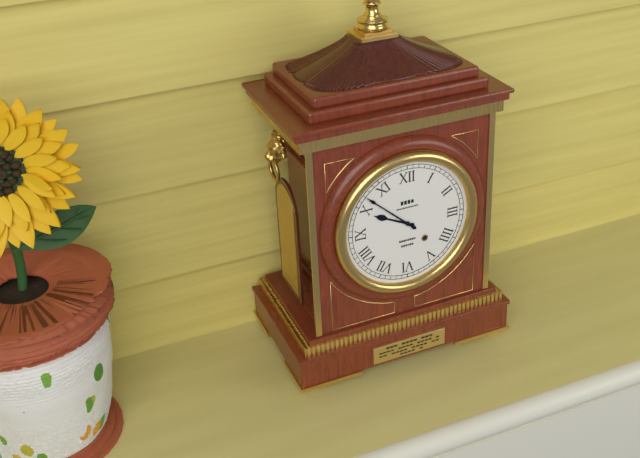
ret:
9:52
